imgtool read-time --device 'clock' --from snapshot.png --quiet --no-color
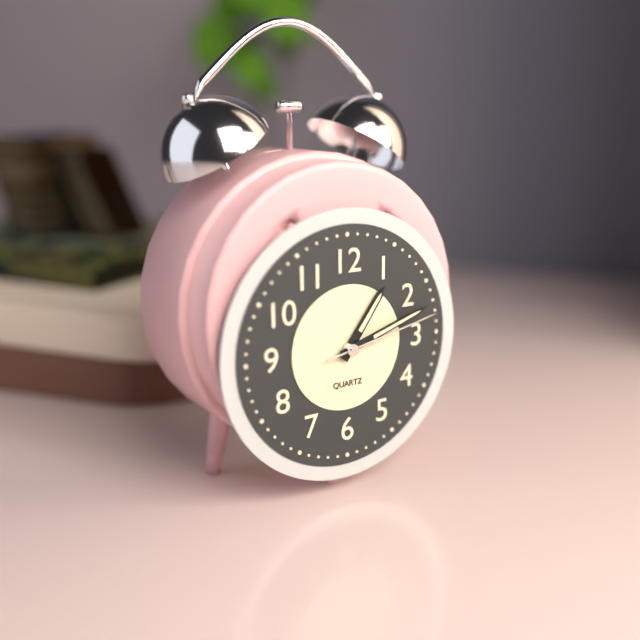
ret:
1:12:13
